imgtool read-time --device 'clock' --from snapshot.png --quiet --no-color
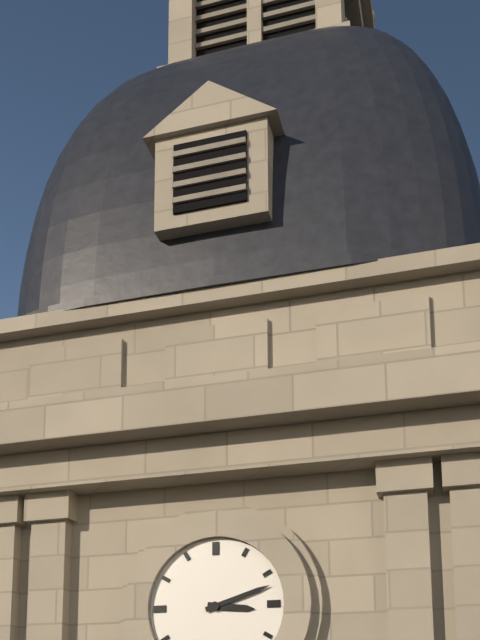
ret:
3:12
